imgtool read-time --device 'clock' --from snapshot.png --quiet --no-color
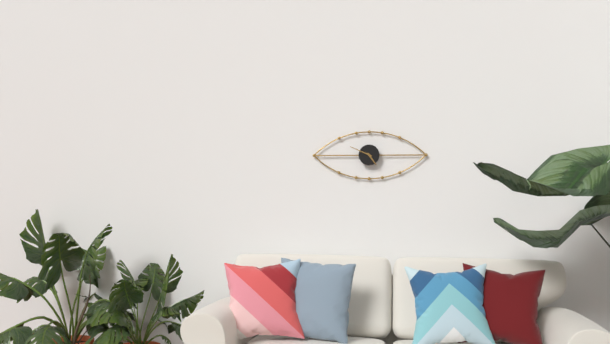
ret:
4:49
